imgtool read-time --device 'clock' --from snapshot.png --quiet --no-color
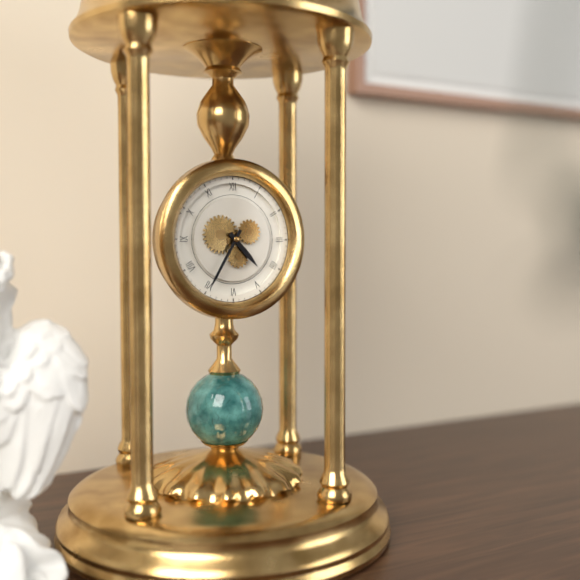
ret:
4:35
